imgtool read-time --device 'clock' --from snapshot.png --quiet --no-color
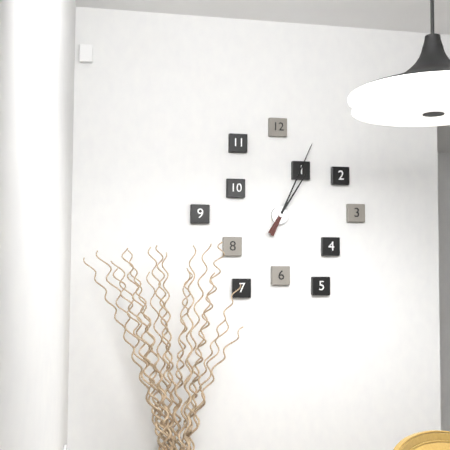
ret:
1:04
